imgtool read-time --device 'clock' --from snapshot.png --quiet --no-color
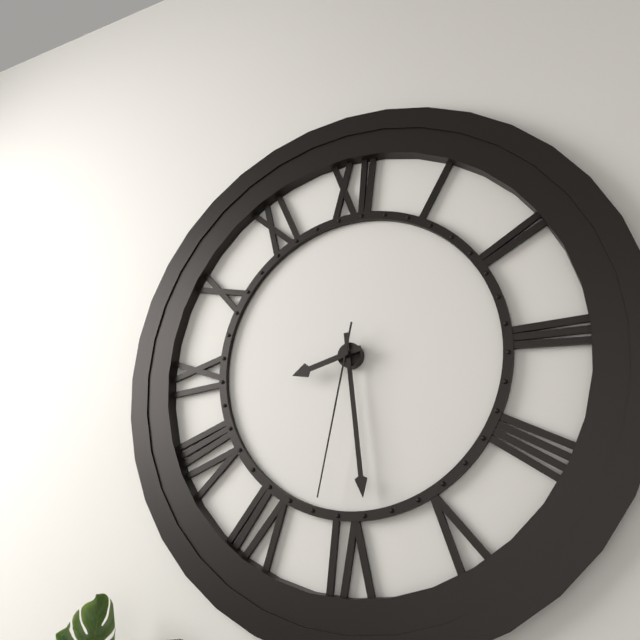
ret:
8:29:32
